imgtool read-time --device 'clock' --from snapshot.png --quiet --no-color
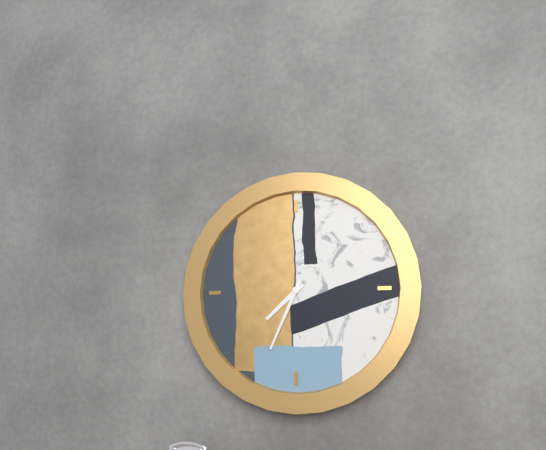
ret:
7:34
